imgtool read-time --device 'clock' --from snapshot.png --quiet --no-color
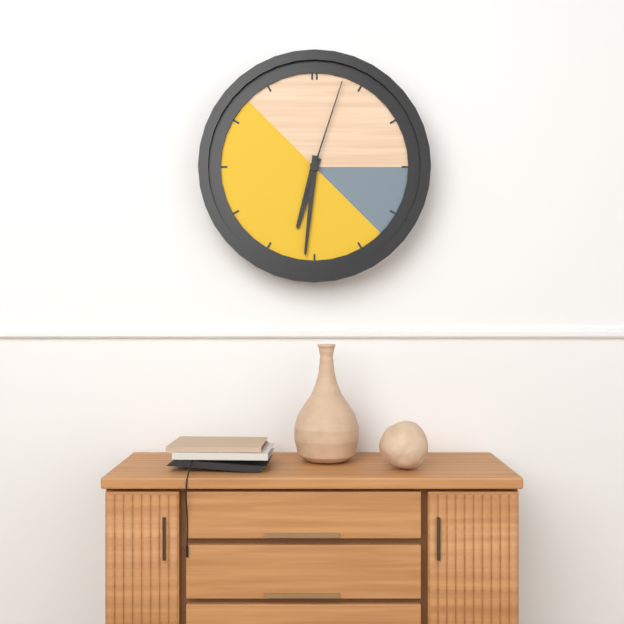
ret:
6:31:03
